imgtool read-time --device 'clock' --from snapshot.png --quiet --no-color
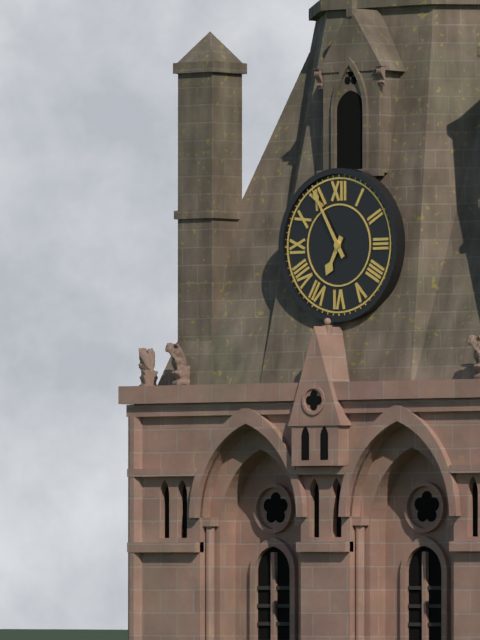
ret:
6:55
